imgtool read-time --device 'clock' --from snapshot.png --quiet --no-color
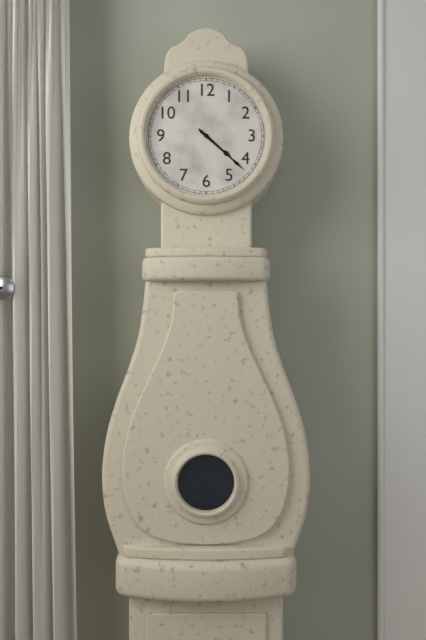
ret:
4:22
